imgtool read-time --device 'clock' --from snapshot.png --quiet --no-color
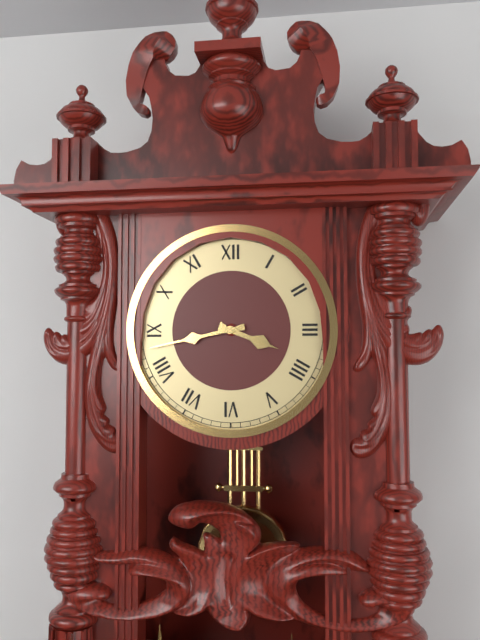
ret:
3:43
